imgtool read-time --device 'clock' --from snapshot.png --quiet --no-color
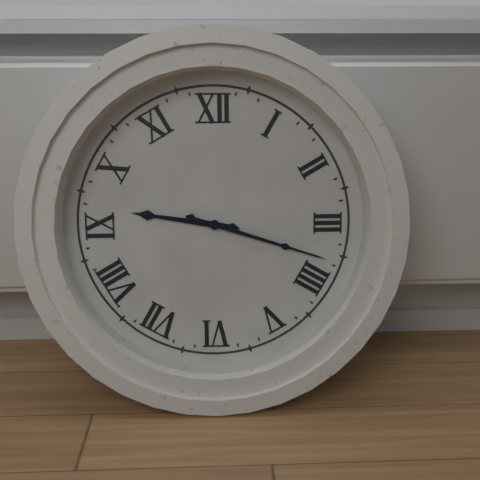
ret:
9:18
